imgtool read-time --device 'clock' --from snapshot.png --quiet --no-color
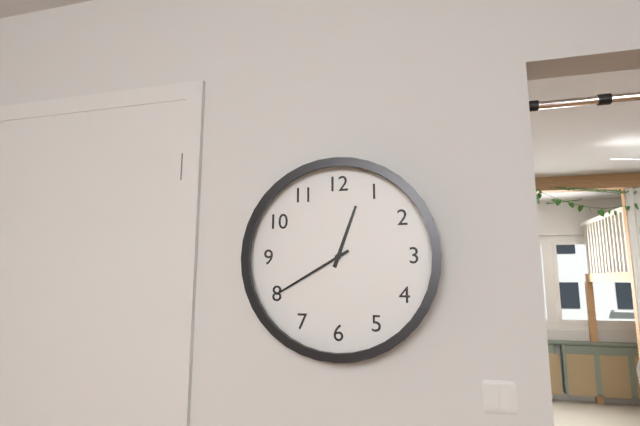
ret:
12:40
